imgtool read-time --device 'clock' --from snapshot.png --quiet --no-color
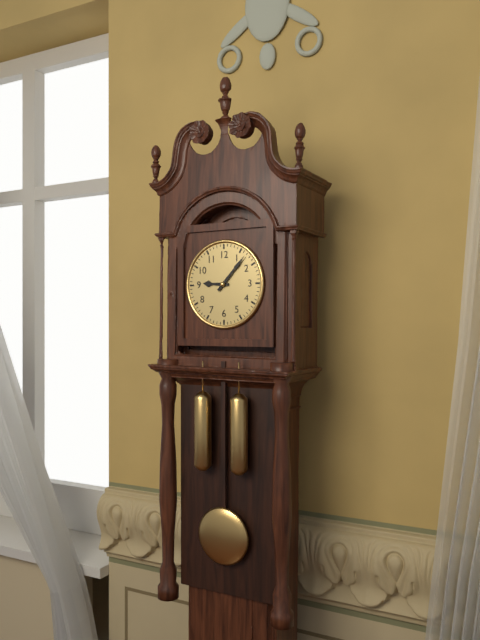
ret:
9:07
